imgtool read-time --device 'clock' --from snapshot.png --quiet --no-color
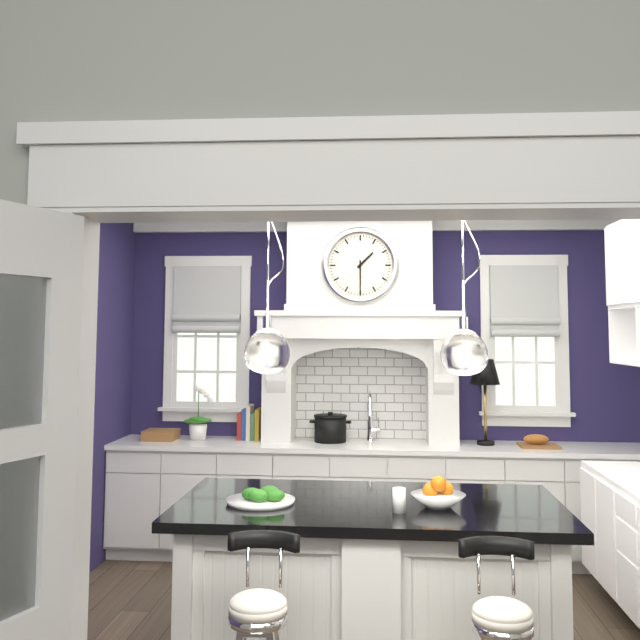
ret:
1:30
